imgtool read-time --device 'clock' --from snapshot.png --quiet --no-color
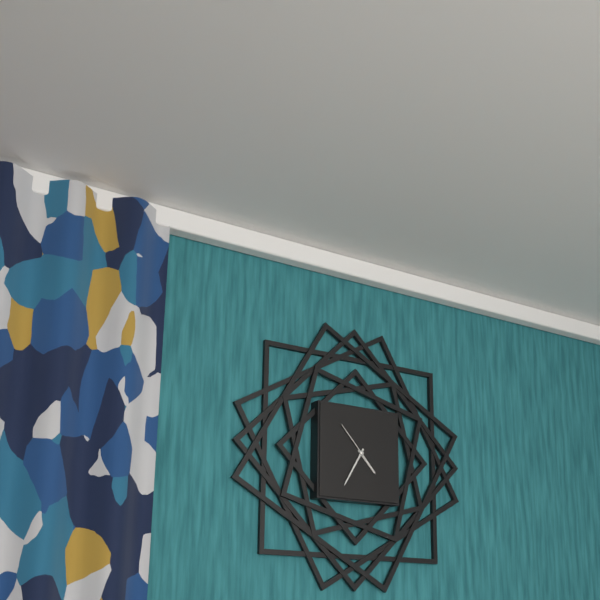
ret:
4:35
